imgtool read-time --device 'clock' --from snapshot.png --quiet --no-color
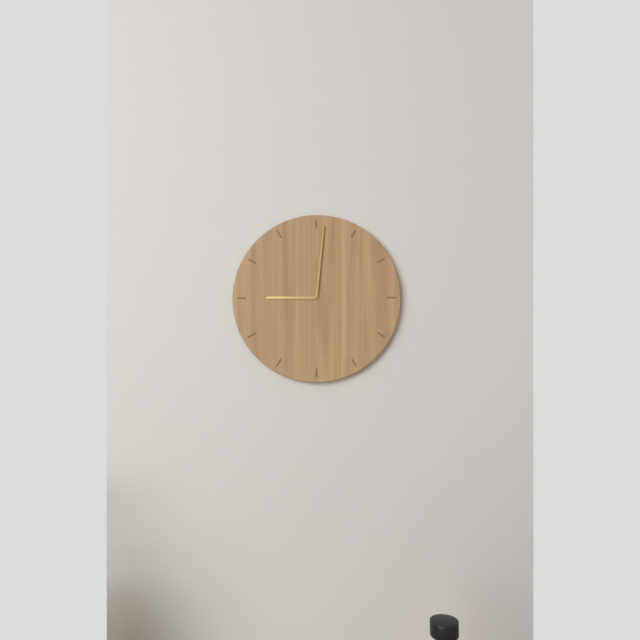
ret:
9:01
